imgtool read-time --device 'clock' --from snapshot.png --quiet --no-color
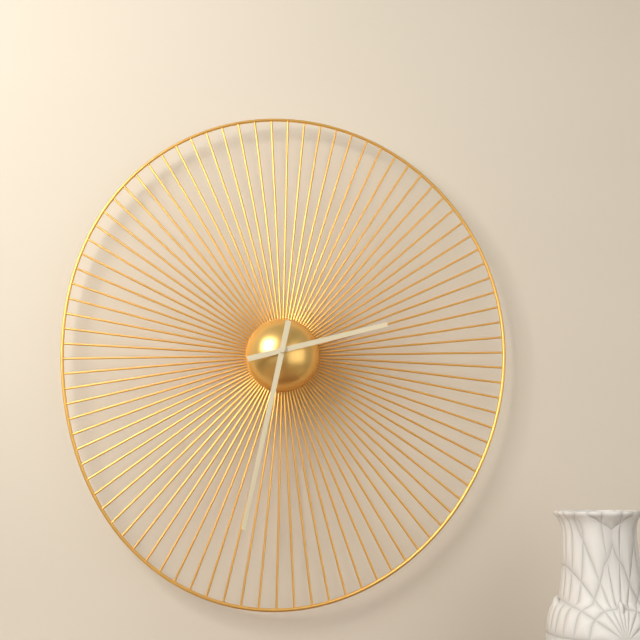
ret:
2:32
